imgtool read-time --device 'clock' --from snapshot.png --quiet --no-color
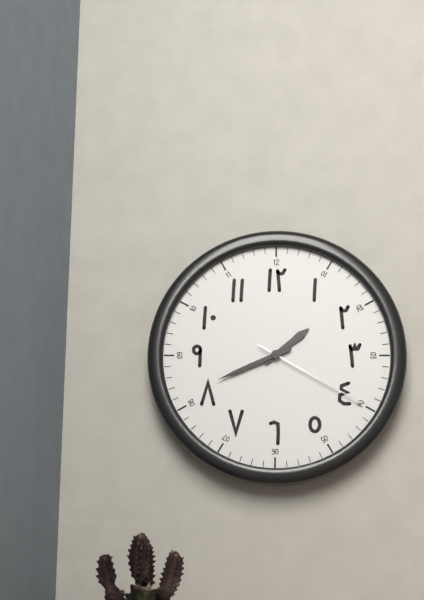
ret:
1:41:20
